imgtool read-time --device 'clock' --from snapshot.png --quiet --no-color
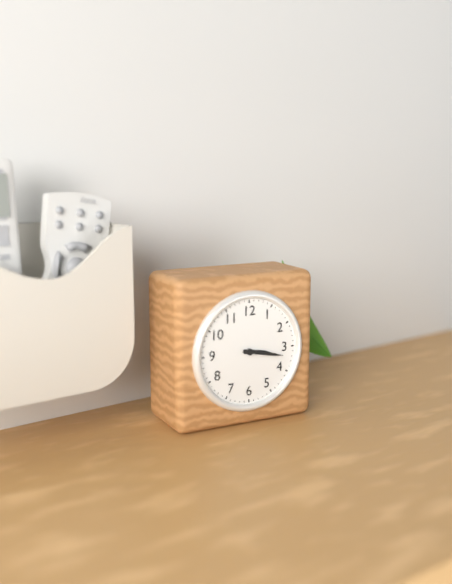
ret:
3:17
